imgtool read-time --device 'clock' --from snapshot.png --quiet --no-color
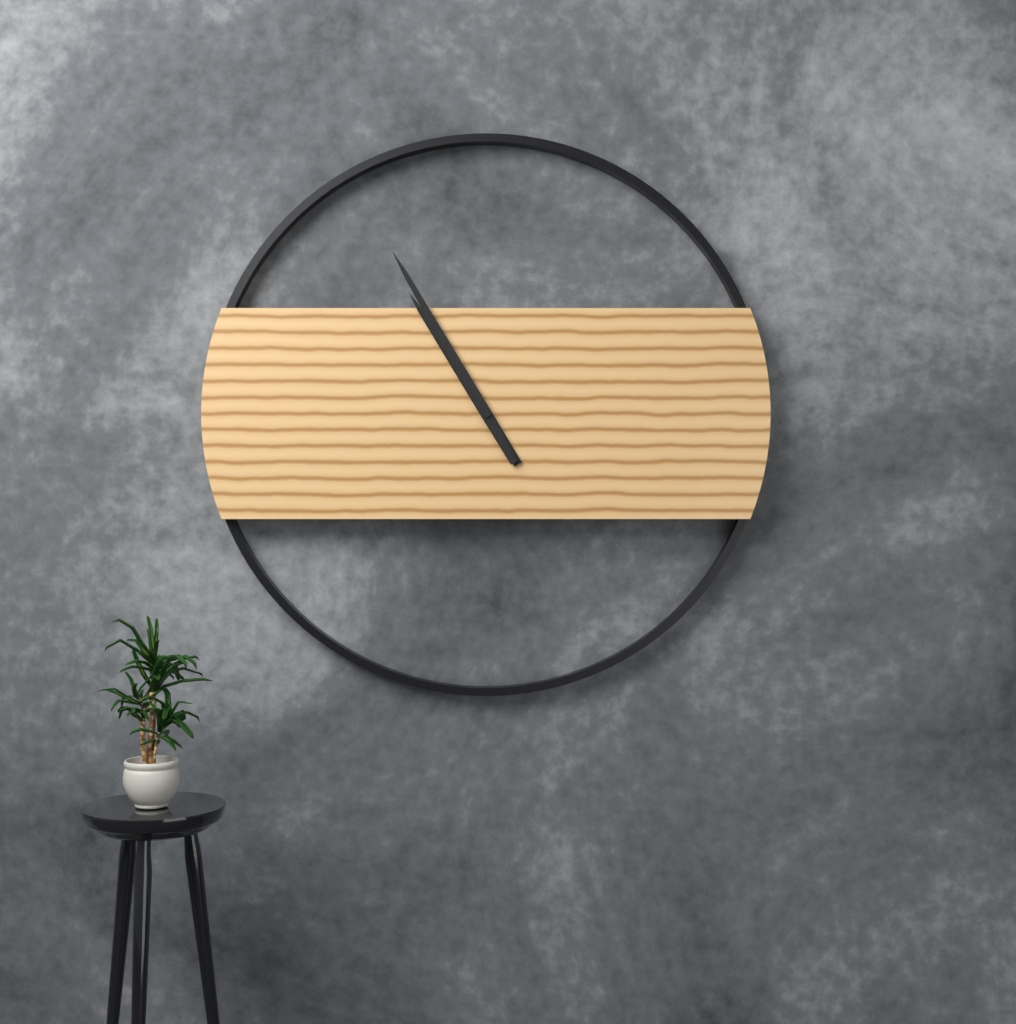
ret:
10:55
